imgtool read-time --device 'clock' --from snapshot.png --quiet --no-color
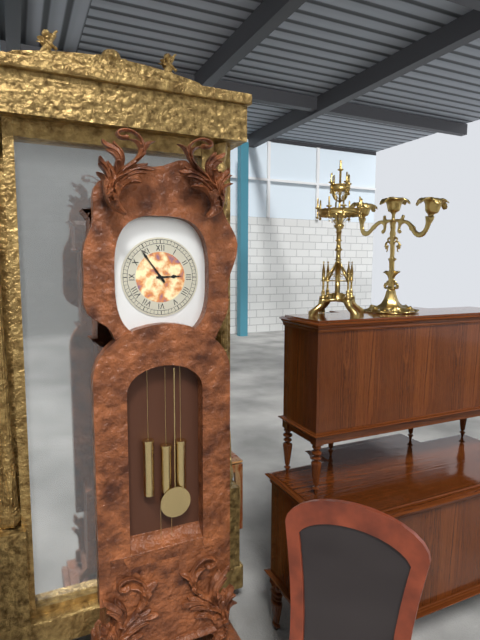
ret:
2:54
